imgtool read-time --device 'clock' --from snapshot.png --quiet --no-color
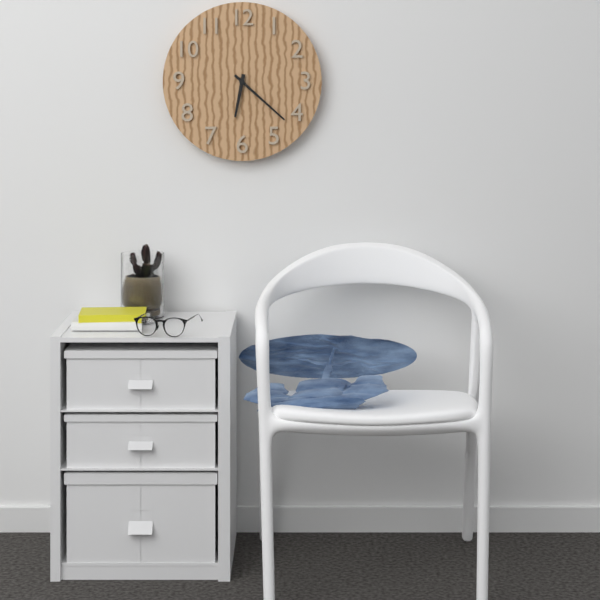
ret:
6:22
